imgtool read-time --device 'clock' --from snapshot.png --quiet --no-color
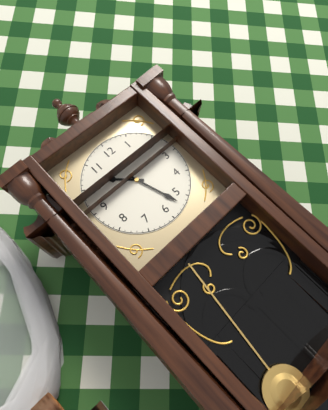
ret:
10:27
